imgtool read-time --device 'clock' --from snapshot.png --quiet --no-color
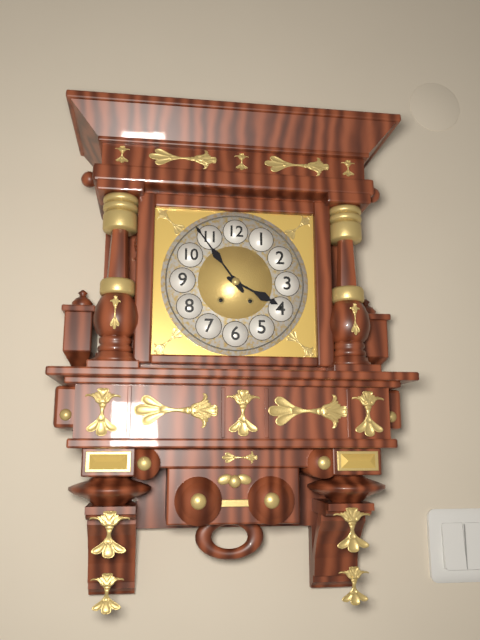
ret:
3:54
